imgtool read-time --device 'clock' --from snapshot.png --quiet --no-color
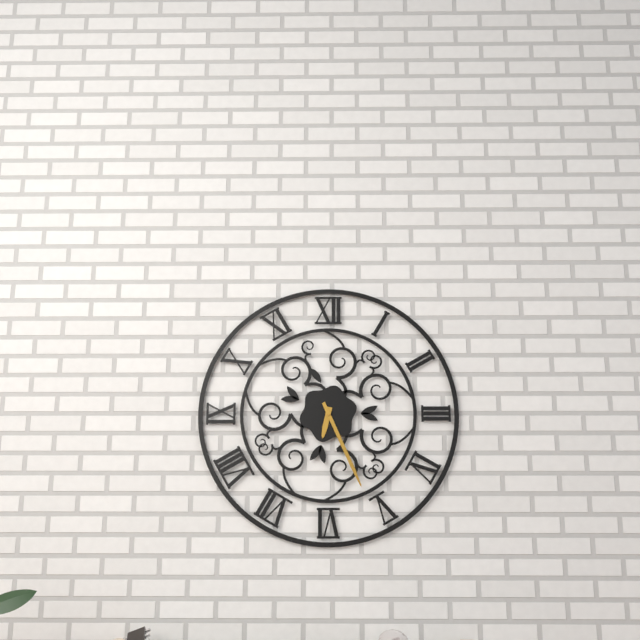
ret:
6:26
